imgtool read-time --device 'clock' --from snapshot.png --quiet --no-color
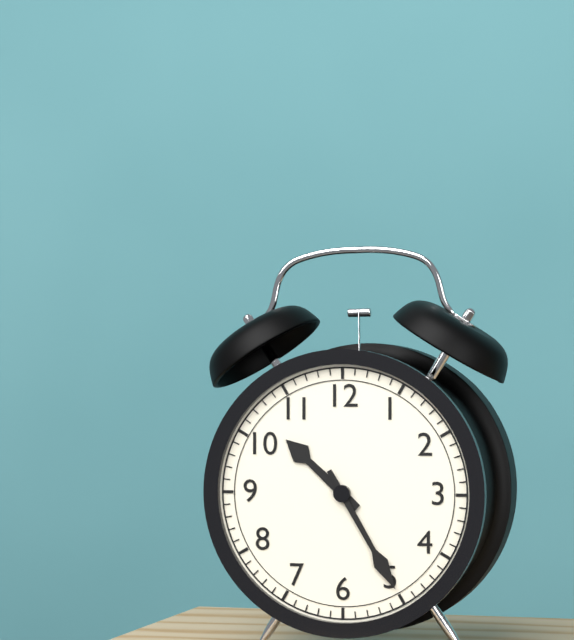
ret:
10:25
